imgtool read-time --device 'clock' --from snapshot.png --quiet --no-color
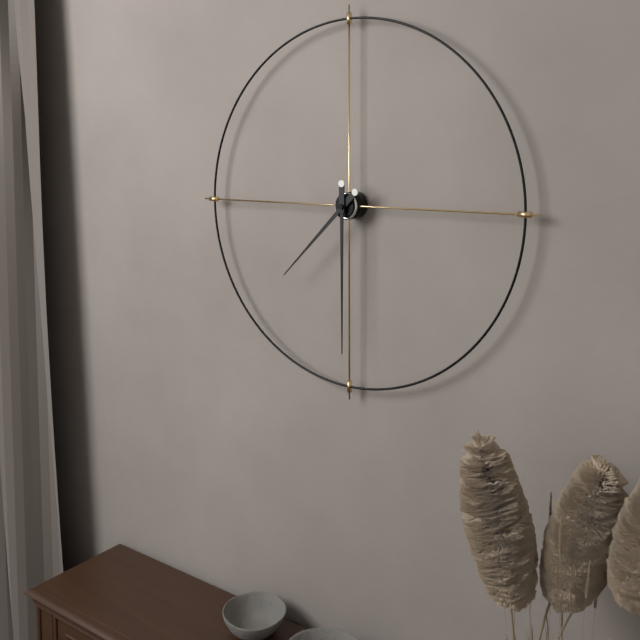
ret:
7:30
